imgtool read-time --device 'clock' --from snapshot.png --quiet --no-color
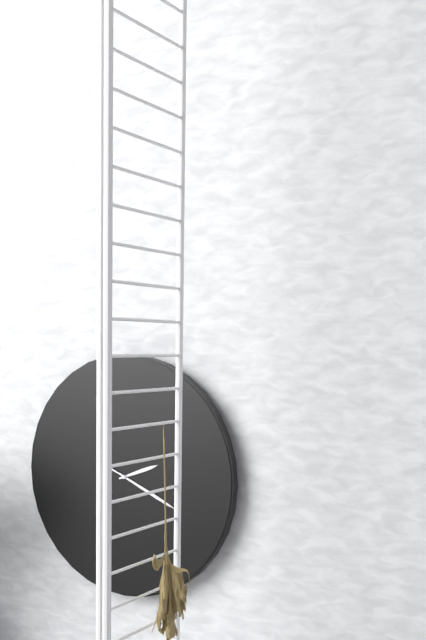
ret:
2:19:19
